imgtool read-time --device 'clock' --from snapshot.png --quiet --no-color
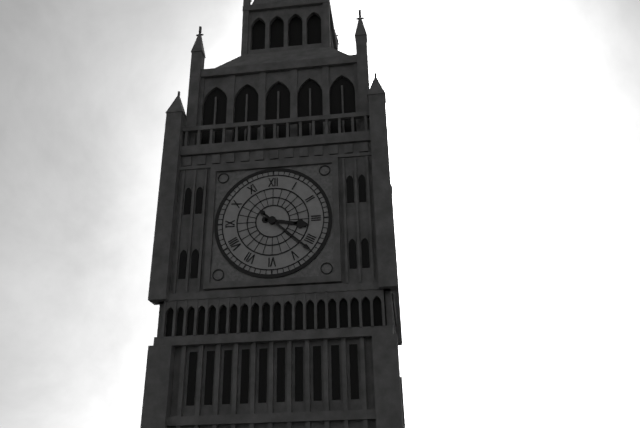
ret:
3:22
